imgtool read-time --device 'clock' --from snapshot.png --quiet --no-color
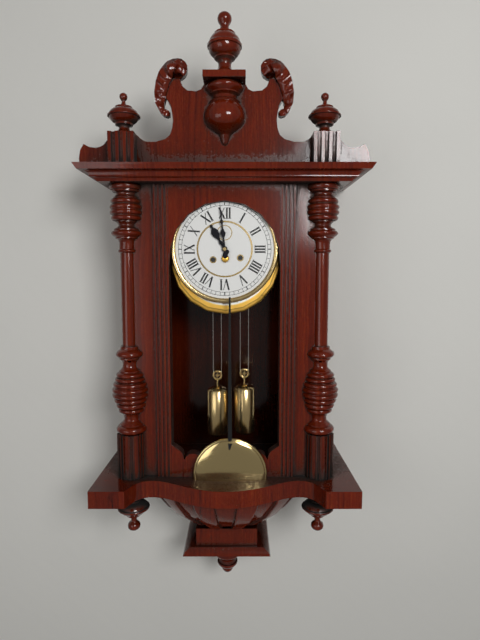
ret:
10:59
